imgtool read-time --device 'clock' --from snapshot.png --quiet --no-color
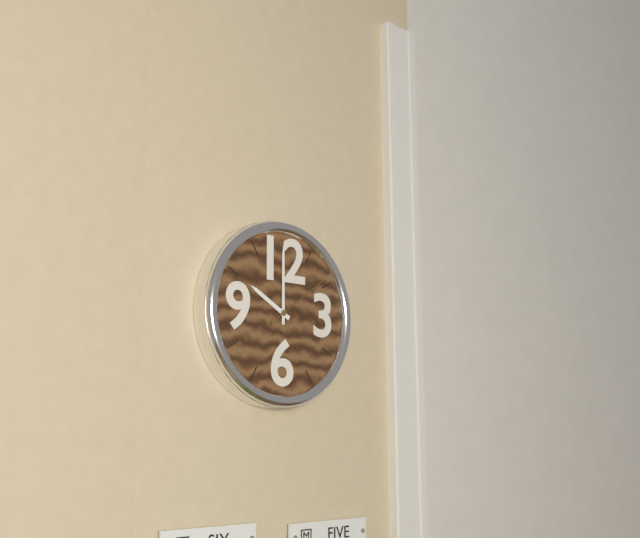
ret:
10:00:09
